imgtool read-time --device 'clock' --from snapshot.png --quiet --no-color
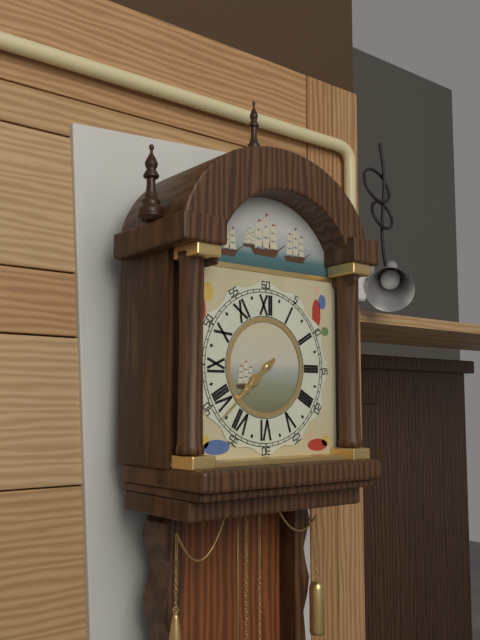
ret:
7:38
